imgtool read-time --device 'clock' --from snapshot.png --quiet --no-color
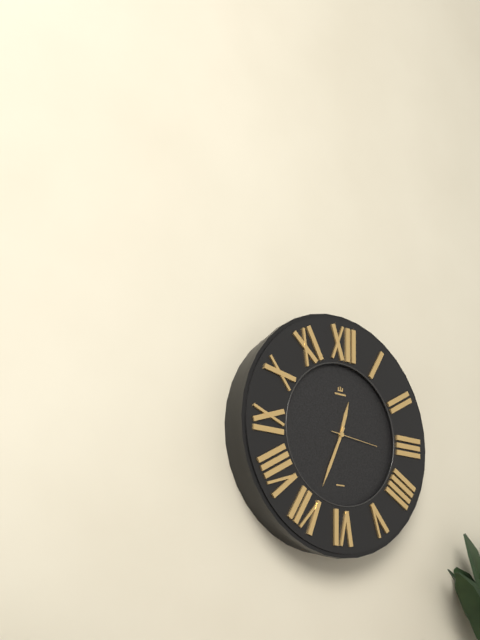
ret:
12:34:16
